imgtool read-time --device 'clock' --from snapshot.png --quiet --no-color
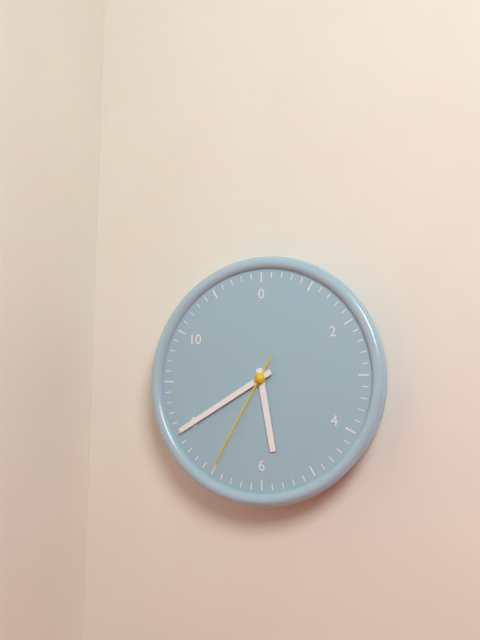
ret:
5:40:35
